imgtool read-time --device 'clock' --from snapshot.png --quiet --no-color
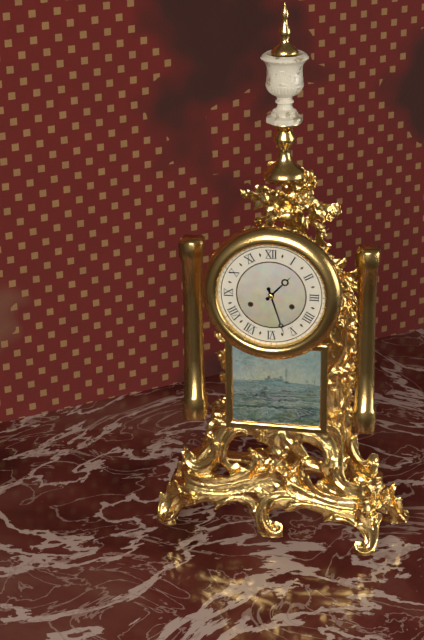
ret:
1:27
